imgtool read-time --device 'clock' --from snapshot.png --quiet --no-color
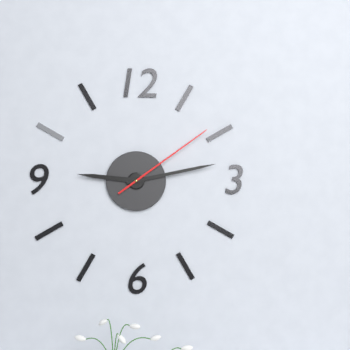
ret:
9:13:09
